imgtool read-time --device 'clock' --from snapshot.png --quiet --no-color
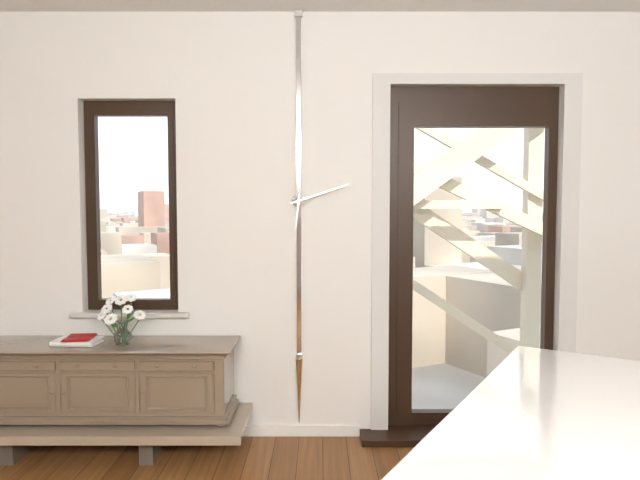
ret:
6:12
